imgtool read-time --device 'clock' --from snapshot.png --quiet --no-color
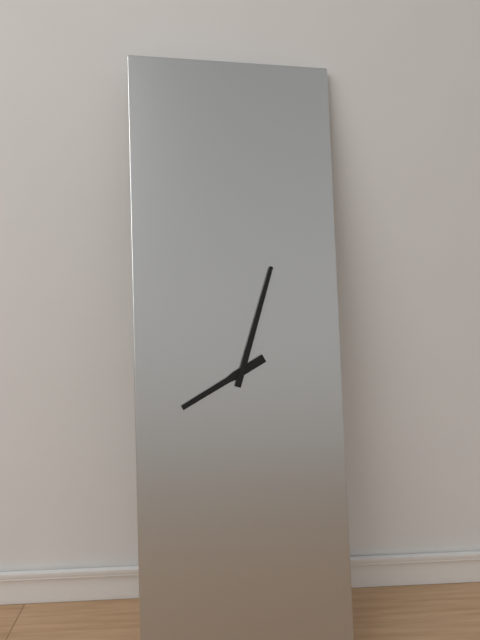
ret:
8:03
